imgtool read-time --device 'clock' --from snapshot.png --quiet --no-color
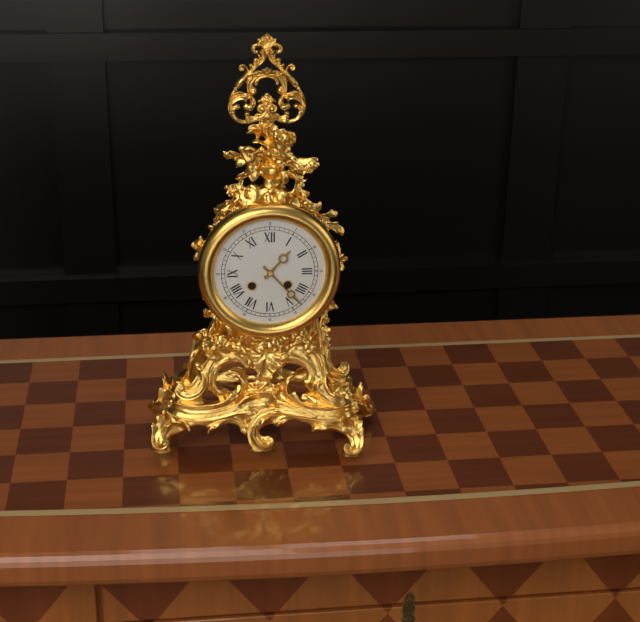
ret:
1:23
